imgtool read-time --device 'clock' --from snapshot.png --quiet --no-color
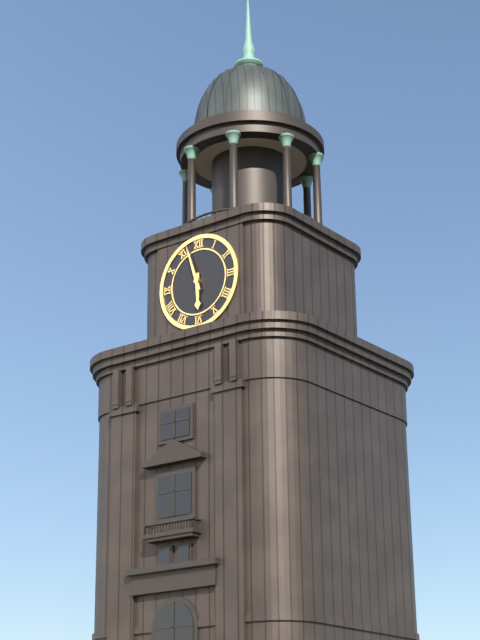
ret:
5:57
